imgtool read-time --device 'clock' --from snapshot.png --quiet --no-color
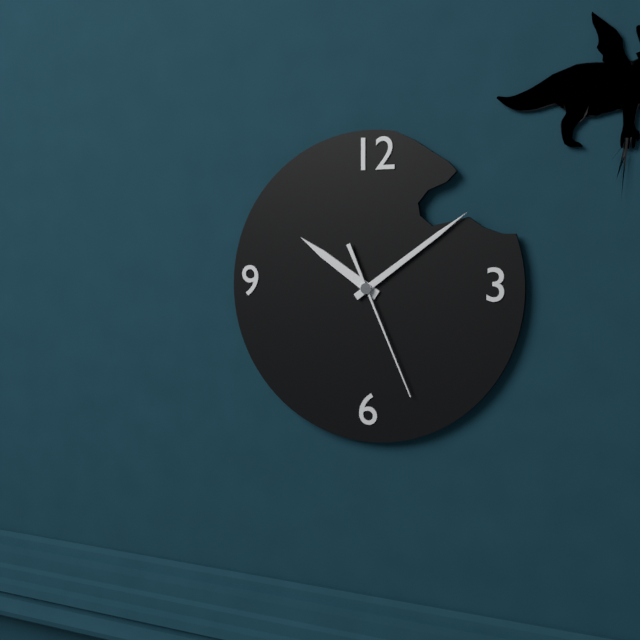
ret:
10:09:26
